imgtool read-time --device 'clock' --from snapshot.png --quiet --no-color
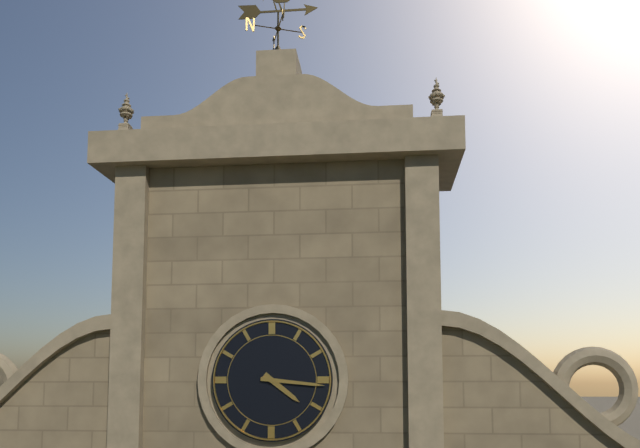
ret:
4:16
